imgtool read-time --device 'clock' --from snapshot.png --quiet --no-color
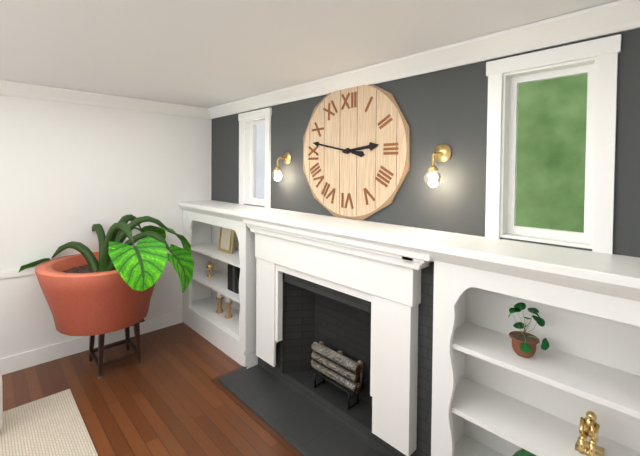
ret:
2:47
